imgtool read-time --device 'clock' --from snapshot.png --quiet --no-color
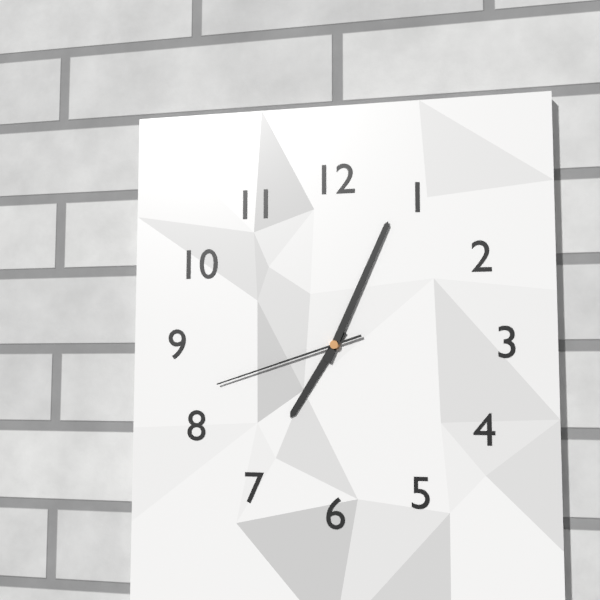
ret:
7:04:42
